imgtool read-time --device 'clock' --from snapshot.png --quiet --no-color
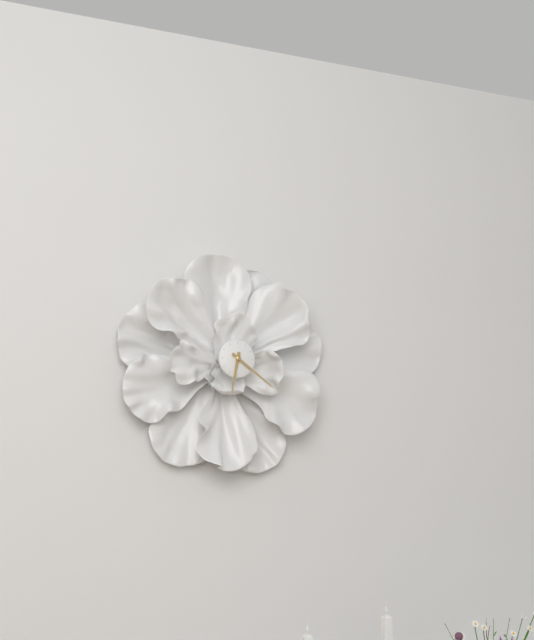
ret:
6:21
